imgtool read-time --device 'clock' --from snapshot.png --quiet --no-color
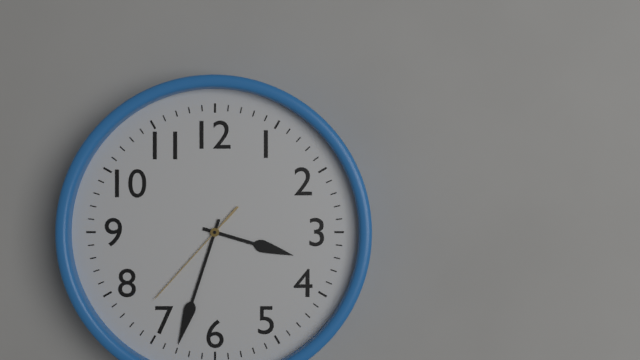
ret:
3:33:37
